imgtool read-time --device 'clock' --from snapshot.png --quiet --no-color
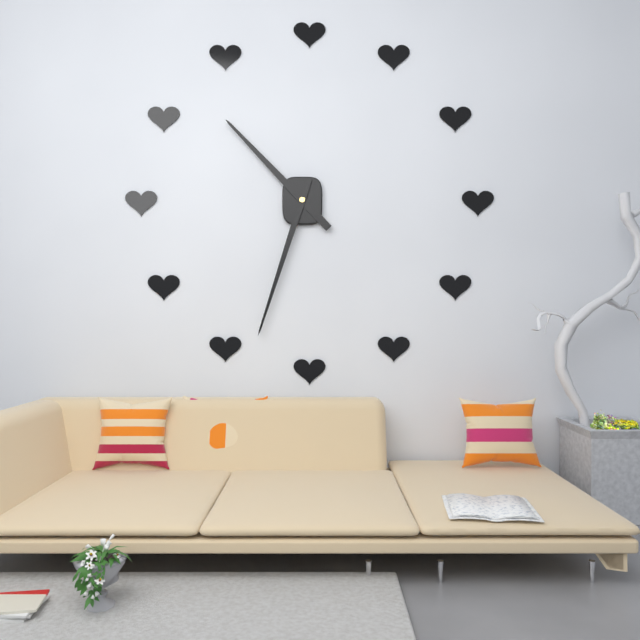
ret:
10:33
